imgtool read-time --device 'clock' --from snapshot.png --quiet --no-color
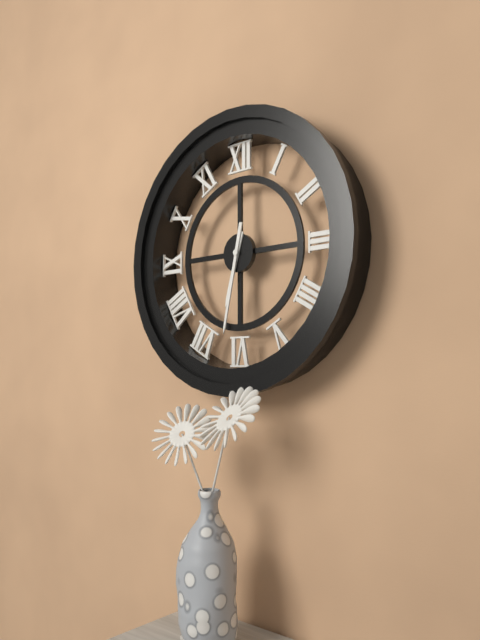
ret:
6:32
